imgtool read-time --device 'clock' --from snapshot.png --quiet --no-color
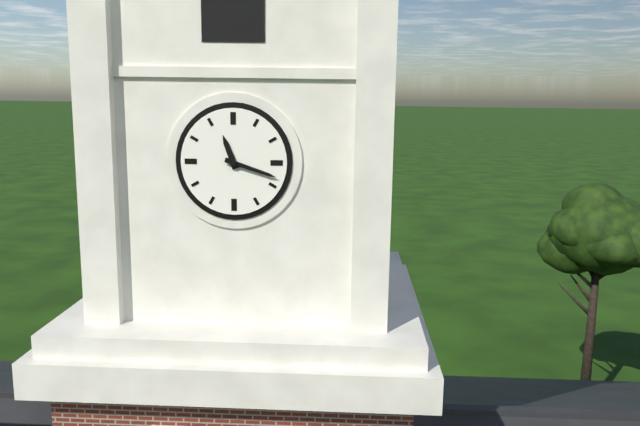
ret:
11:18
